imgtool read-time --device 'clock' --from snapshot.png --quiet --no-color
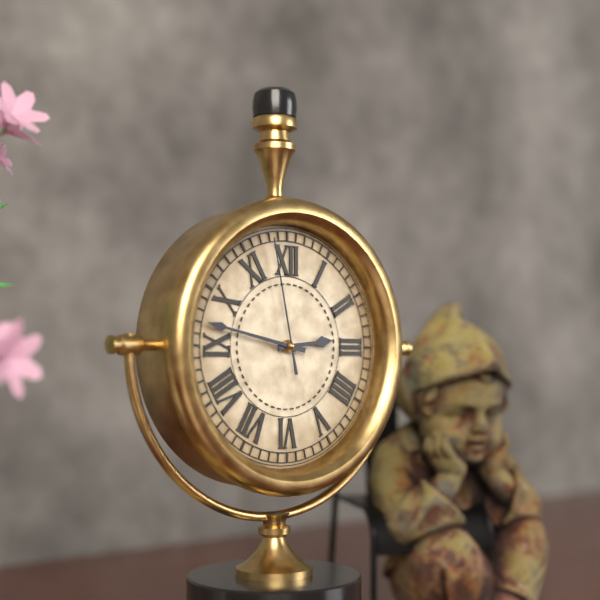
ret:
2:47:58
